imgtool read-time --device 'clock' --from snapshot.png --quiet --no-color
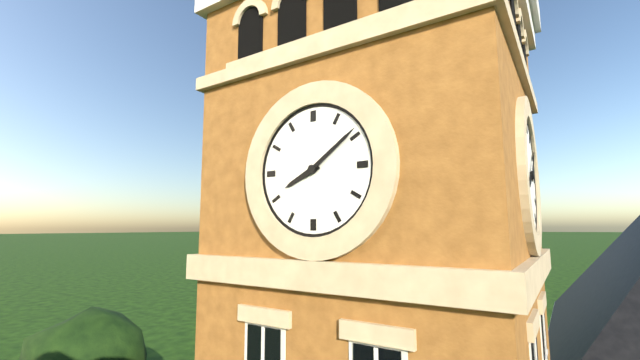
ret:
8:09
